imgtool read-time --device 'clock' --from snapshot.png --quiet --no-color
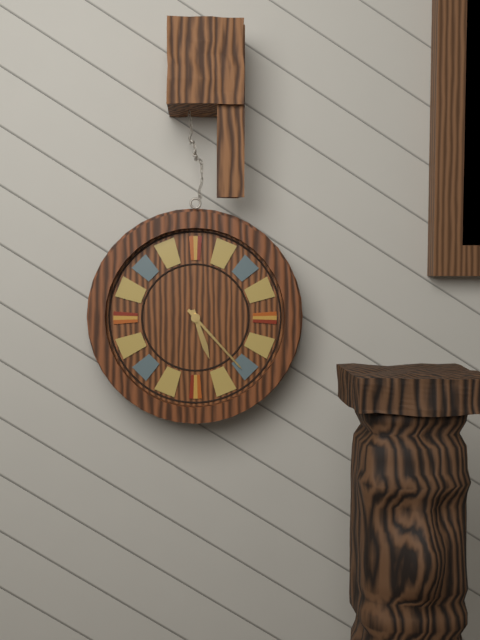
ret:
5:23
